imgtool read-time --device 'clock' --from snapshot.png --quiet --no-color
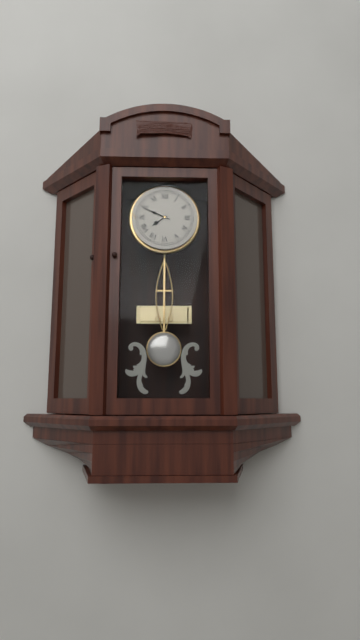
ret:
7:49
